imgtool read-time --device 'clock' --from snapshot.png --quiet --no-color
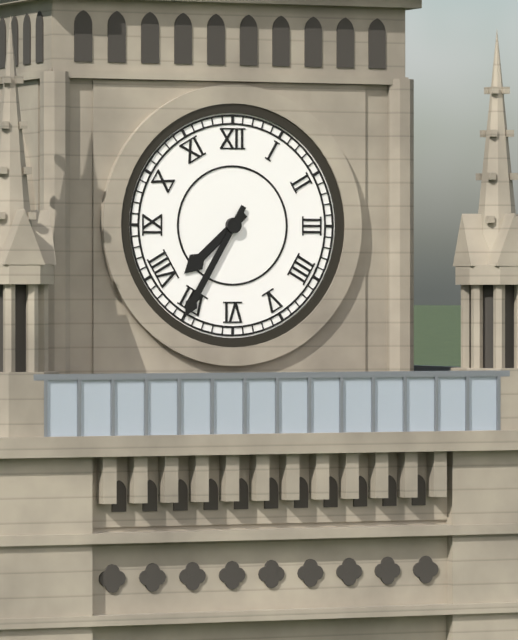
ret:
7:35
